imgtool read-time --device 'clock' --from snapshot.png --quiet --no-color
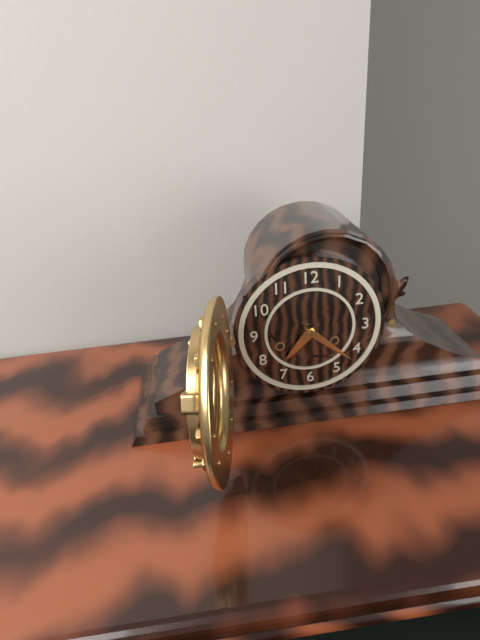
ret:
7:22
